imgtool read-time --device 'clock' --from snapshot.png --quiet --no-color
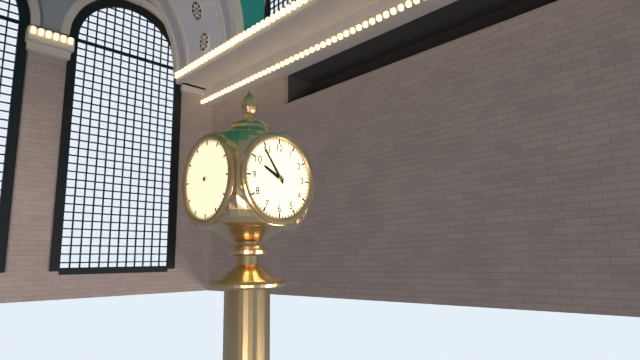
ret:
9:54
